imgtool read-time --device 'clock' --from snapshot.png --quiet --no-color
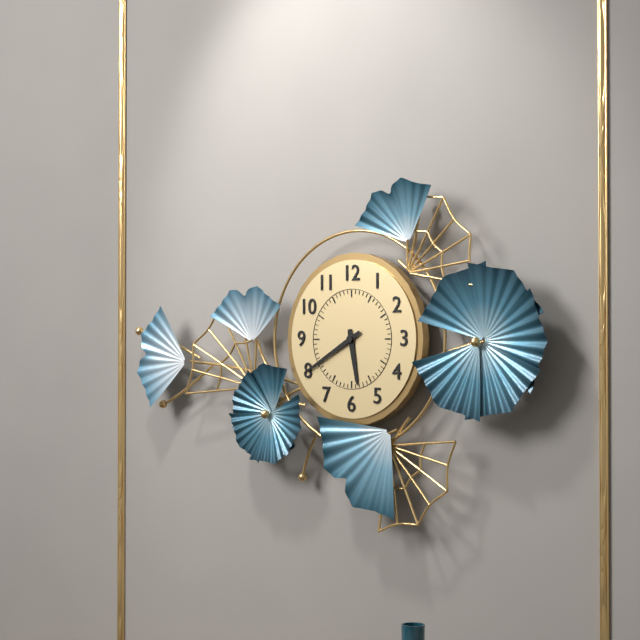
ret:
5:40
